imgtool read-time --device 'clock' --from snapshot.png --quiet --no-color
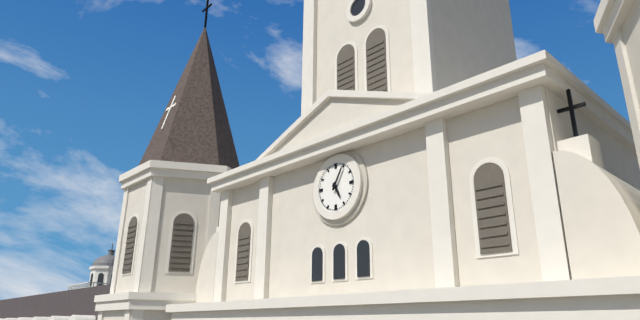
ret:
5:05
